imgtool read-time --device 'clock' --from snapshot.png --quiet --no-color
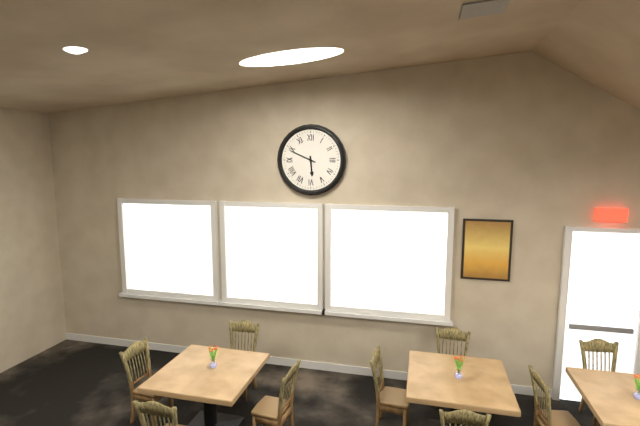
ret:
5:49
